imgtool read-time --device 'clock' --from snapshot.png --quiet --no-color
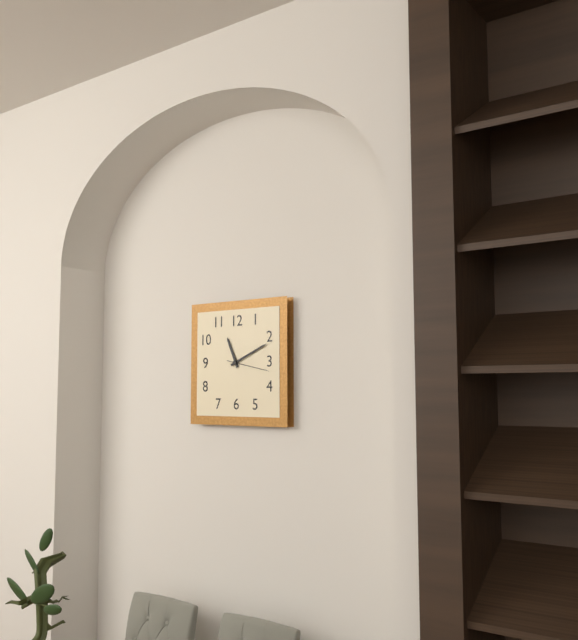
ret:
11:11
